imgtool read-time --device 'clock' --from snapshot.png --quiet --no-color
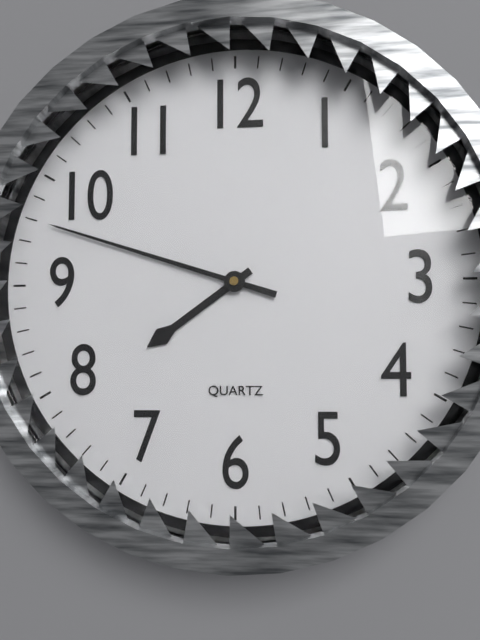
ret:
7:48
